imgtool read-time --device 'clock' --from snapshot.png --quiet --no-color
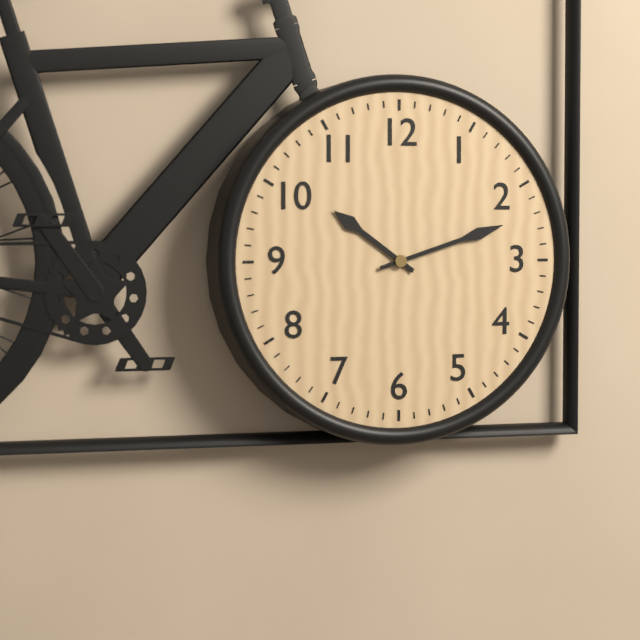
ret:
10:12
